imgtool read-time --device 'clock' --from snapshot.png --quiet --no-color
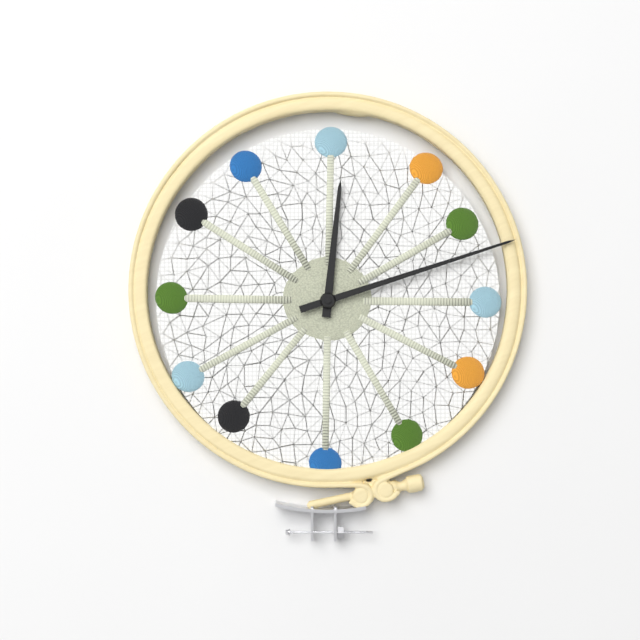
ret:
12:12
